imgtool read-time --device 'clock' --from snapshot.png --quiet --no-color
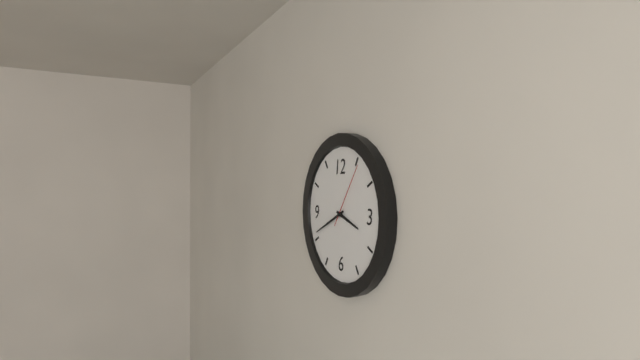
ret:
3:41:06
